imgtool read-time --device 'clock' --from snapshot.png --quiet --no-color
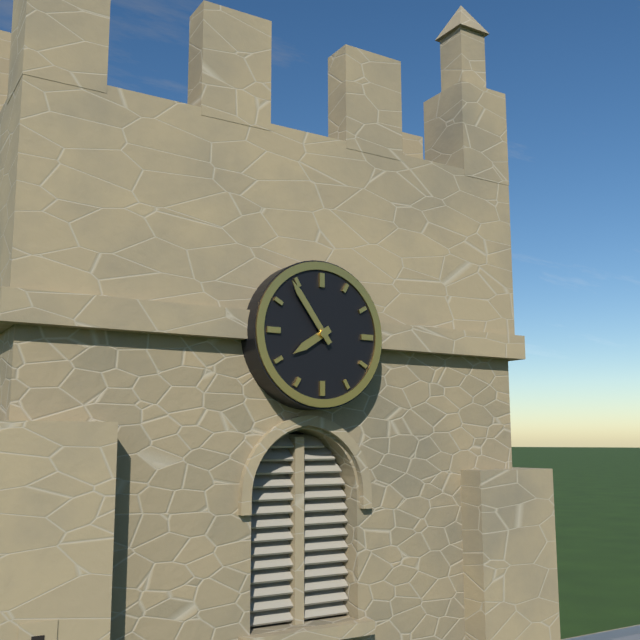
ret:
7:54
